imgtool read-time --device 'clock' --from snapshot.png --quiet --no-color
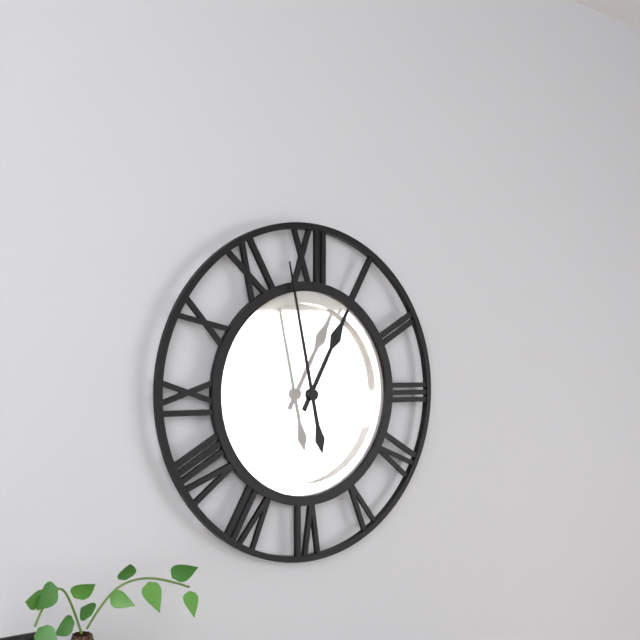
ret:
12:58
